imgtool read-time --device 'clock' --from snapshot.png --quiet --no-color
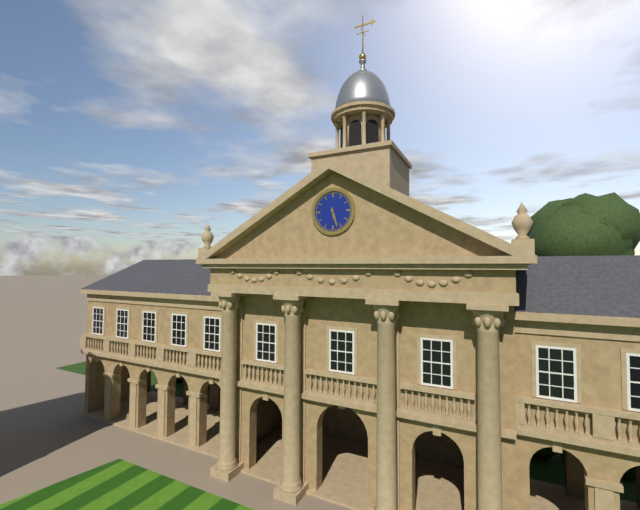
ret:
5:27
